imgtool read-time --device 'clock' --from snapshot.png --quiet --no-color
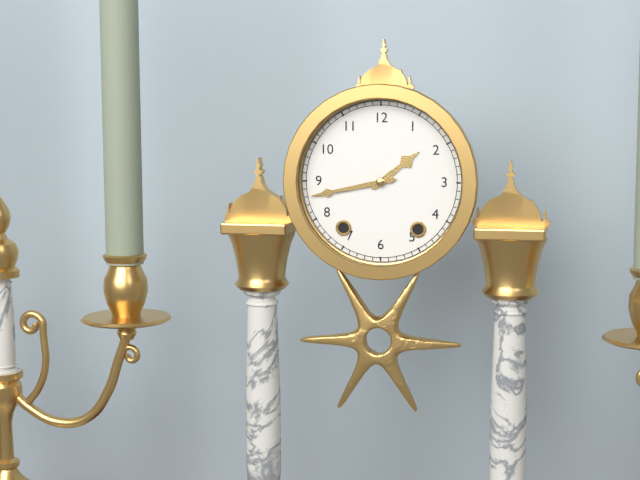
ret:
1:43
